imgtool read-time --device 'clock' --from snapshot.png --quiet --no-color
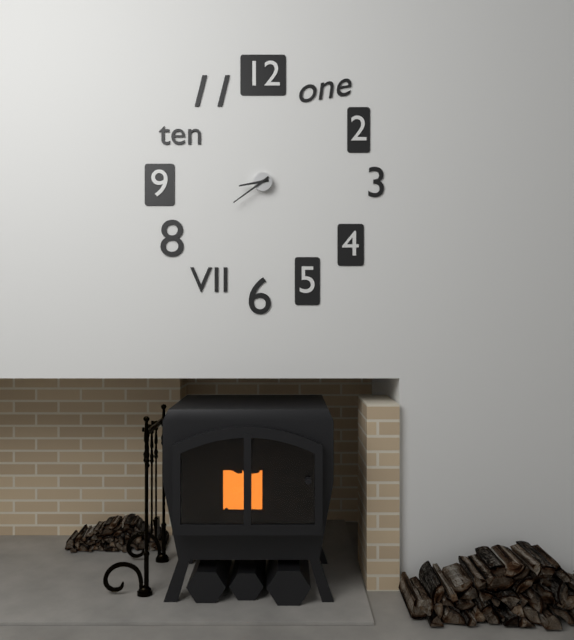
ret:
8:39
